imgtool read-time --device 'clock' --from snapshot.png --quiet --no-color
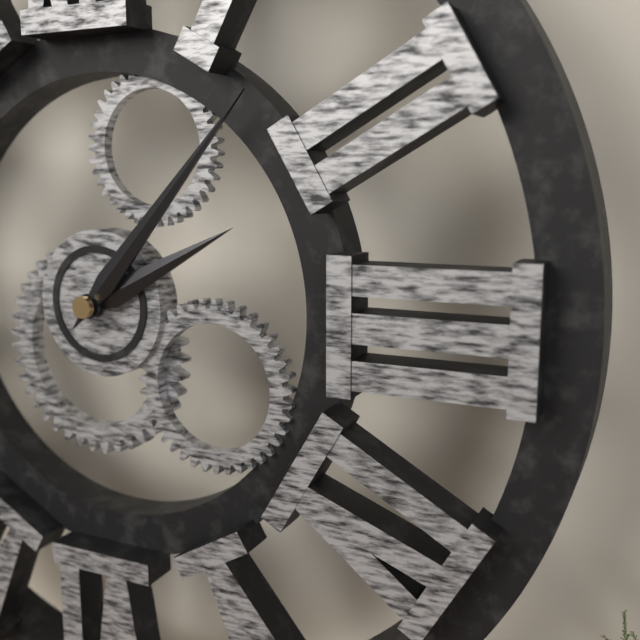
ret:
2:07
